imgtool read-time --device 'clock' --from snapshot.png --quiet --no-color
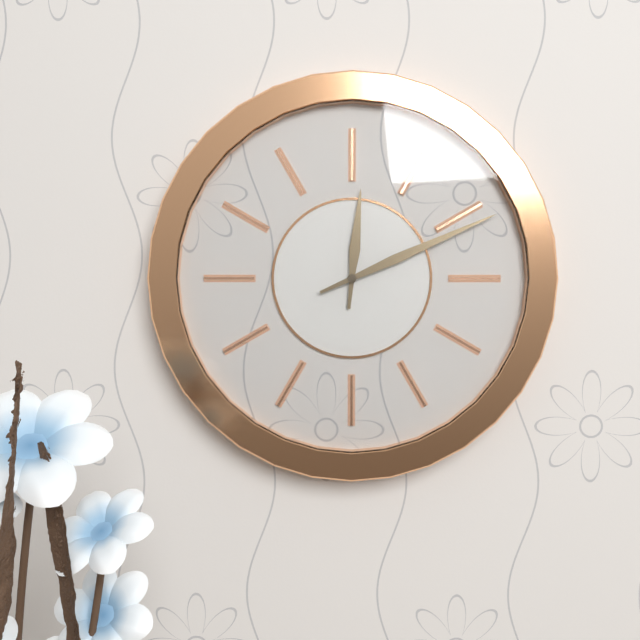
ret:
12:11
